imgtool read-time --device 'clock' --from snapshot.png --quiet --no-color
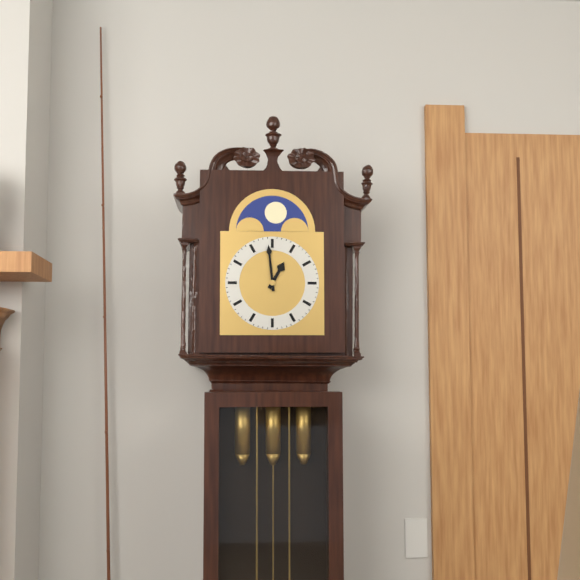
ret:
12:59
